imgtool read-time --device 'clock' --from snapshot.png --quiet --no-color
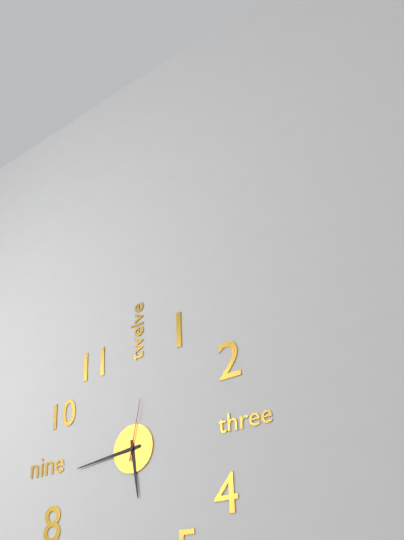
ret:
5:44:02
